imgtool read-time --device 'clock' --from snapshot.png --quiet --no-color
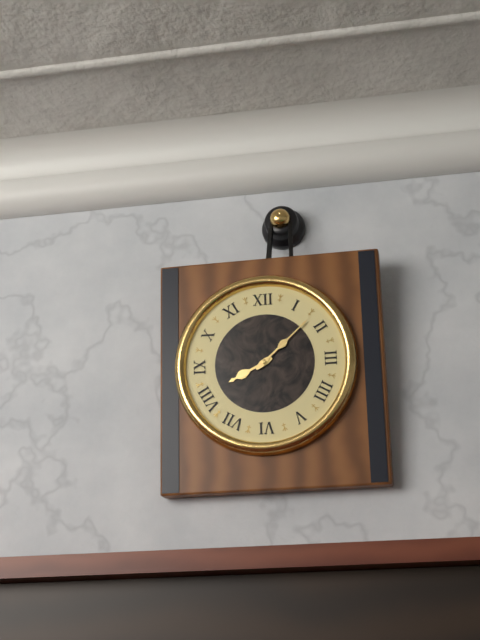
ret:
8:08
